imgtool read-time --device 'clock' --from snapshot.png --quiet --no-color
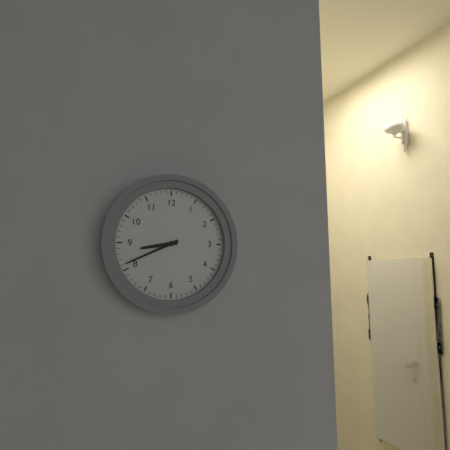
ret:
8:41
